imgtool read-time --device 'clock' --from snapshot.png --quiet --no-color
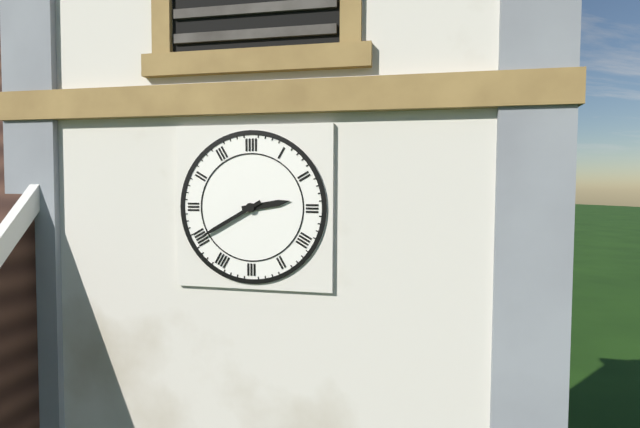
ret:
2:40
